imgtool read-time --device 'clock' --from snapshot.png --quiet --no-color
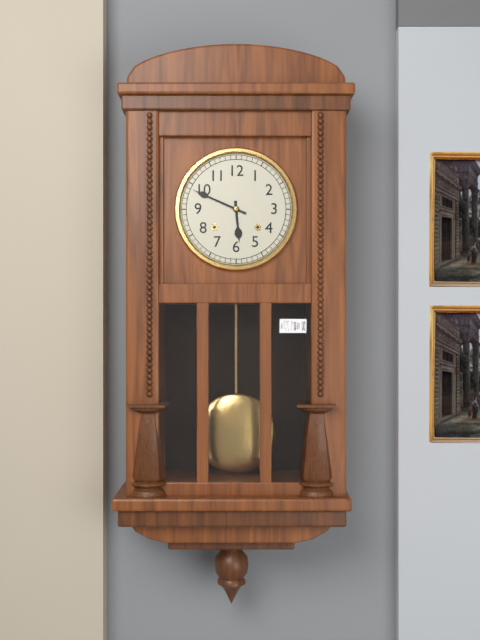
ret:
5:49
